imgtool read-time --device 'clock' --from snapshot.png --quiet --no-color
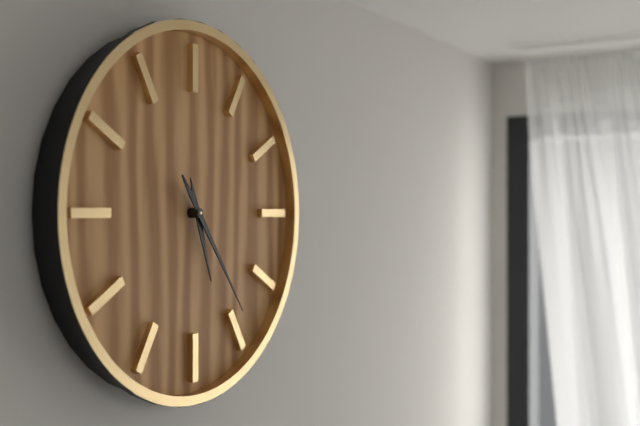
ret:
5:24
